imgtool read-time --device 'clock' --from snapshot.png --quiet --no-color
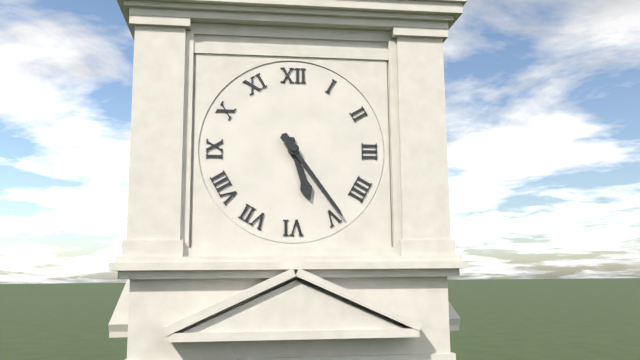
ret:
5:24
